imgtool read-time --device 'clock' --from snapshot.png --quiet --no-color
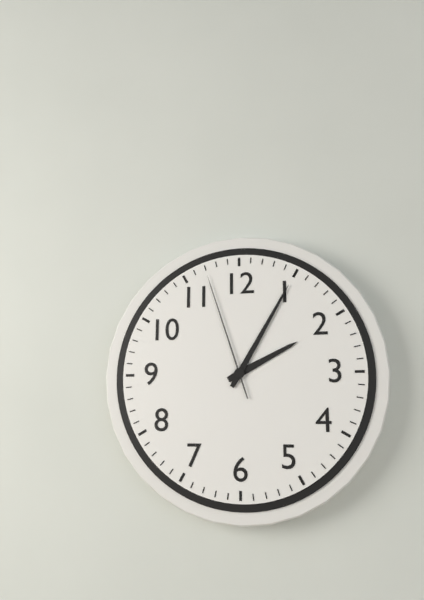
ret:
2:05:57
